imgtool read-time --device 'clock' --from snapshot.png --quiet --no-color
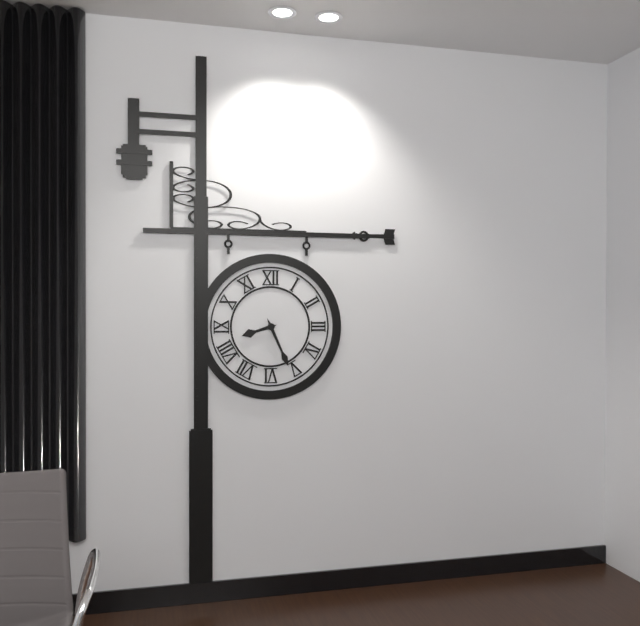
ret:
8:26
